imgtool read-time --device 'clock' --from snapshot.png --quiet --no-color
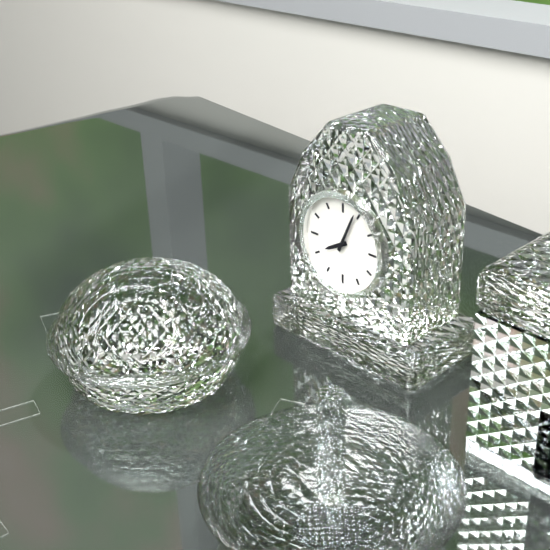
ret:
8:04
